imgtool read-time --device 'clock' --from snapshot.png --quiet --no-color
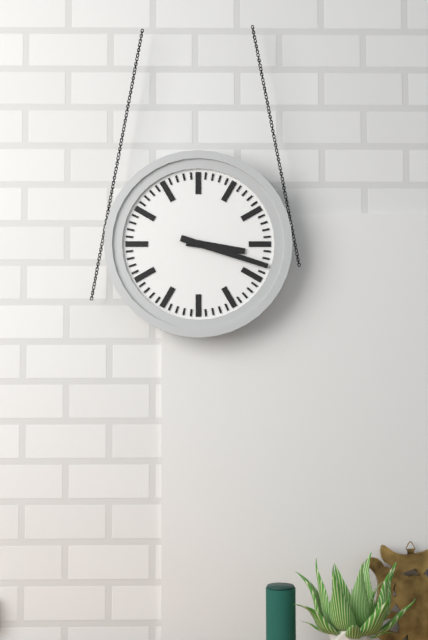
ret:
3:18
